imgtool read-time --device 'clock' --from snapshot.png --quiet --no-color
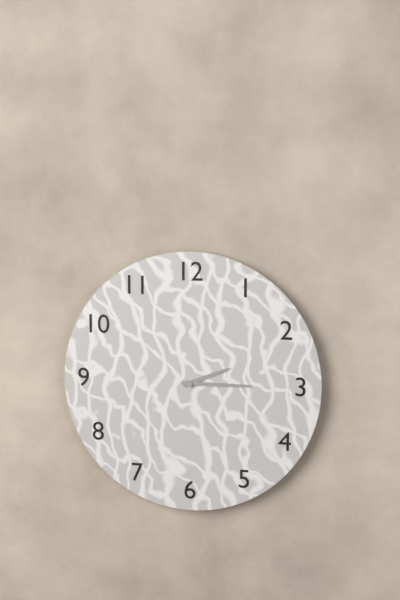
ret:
2:15
